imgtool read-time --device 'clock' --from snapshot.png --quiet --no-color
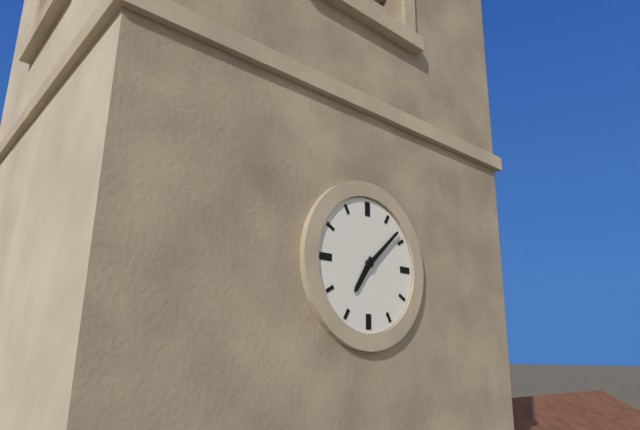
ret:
7:08
